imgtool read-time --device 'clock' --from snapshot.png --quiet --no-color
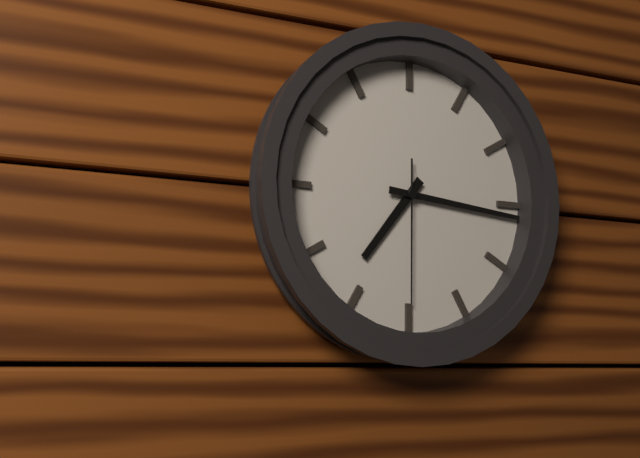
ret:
7:16:30
